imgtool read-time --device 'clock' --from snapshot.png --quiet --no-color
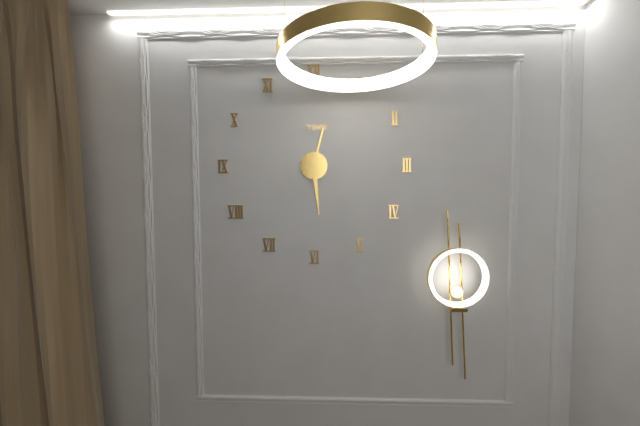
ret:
12:29
